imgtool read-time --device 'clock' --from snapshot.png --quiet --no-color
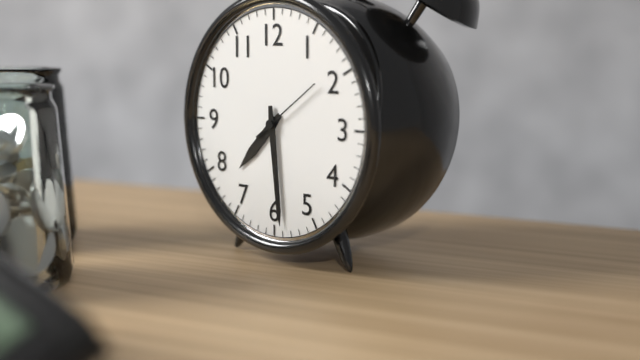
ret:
7:29:09
